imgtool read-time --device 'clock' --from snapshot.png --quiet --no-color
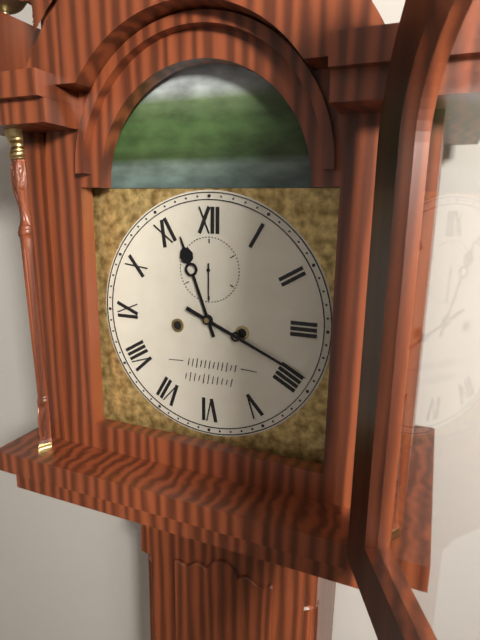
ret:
11:19
